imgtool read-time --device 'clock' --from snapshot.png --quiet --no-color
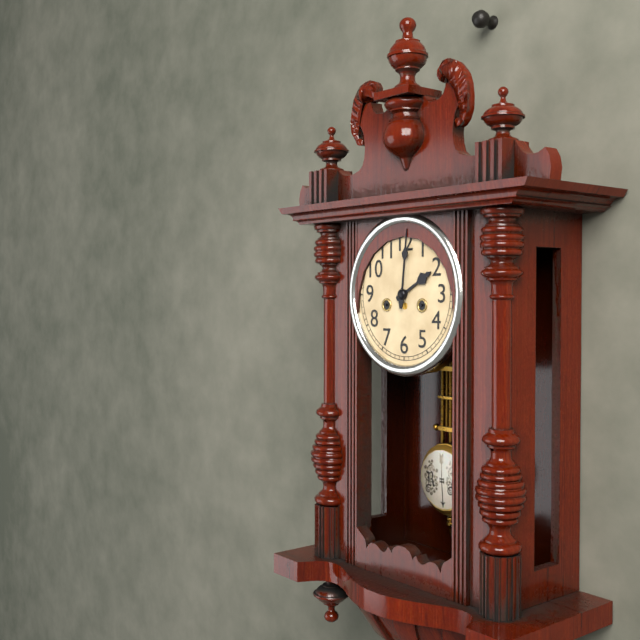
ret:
2:01
